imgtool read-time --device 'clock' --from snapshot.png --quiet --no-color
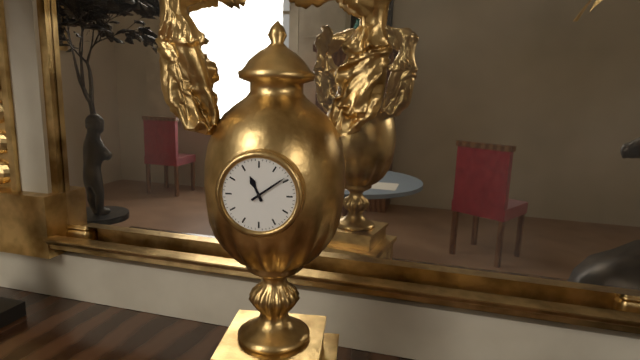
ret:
11:09
